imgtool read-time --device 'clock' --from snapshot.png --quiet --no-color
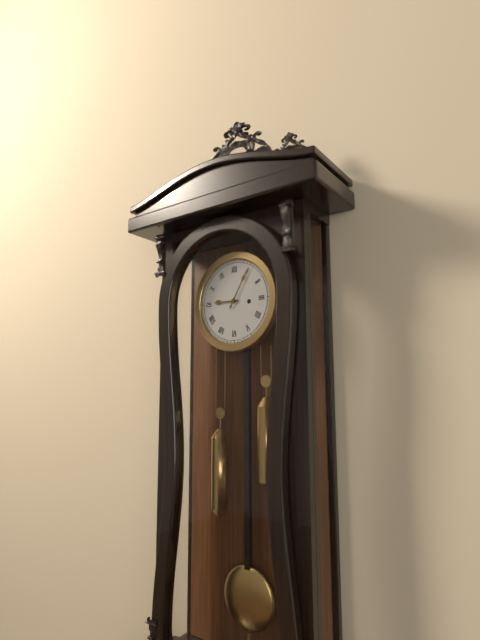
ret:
9:05
